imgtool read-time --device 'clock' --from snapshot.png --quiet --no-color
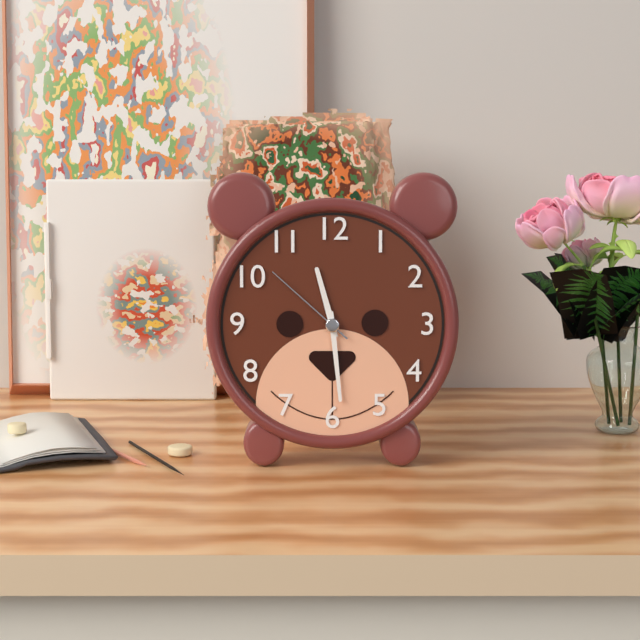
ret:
11:29:52
